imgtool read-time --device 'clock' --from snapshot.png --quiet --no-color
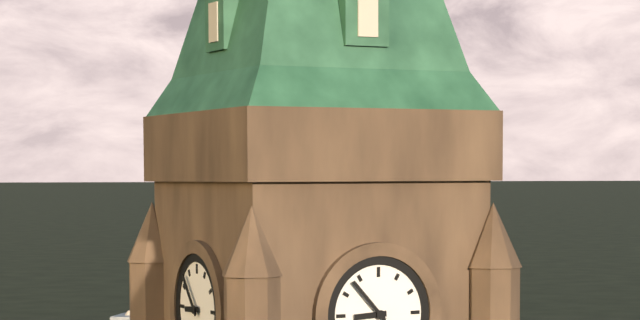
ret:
8:53
